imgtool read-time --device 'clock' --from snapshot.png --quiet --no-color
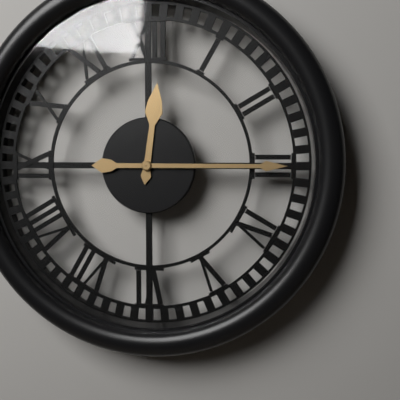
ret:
12:15
